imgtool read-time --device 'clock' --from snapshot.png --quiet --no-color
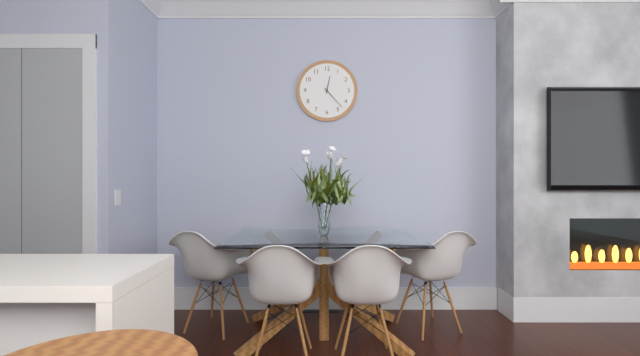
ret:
12:23
